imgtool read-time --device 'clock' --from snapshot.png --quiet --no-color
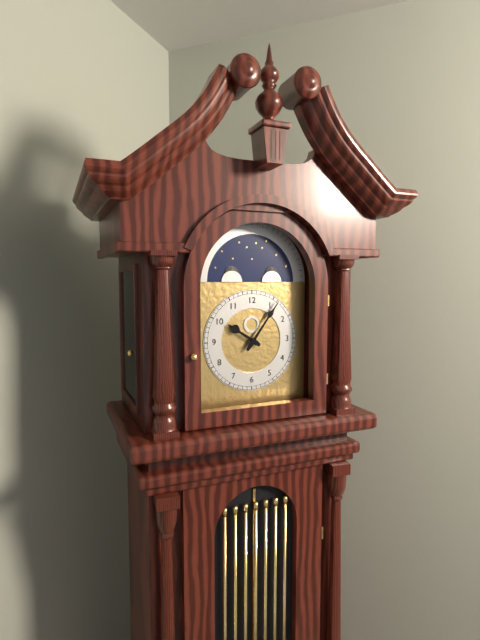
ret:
10:06
